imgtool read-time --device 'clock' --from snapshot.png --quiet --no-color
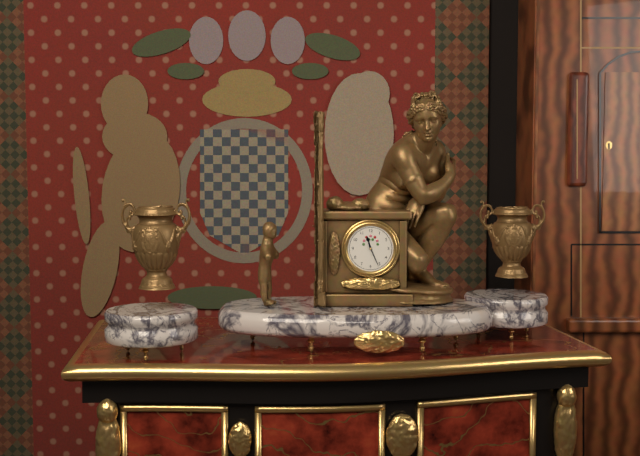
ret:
11:26
